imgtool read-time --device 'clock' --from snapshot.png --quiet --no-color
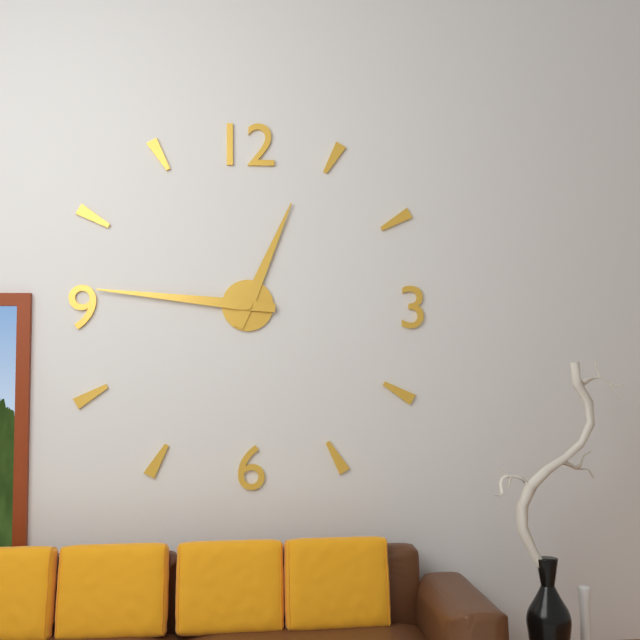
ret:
12:46
